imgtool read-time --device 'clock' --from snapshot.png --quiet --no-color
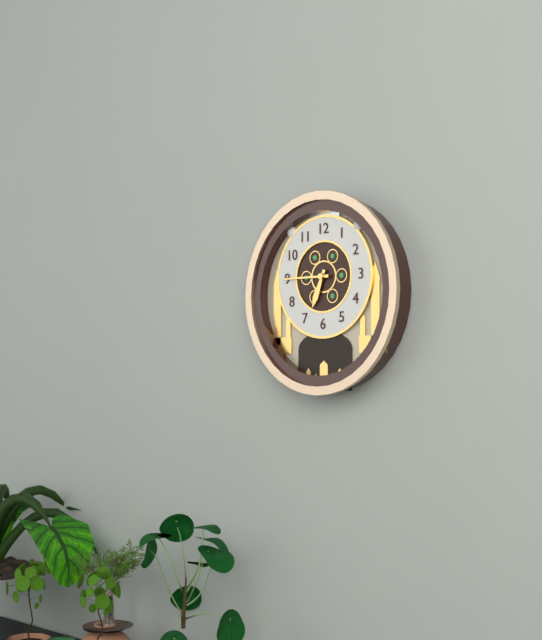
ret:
6:45
